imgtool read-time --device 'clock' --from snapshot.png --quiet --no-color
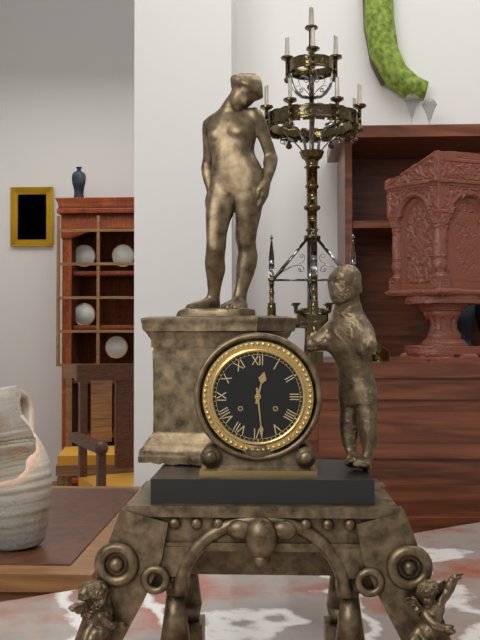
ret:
12:29
